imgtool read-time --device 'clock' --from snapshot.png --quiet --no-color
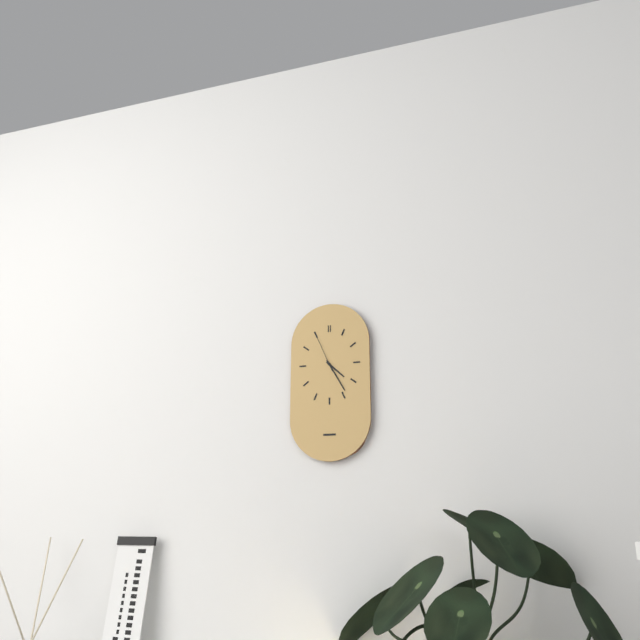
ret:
4:25
